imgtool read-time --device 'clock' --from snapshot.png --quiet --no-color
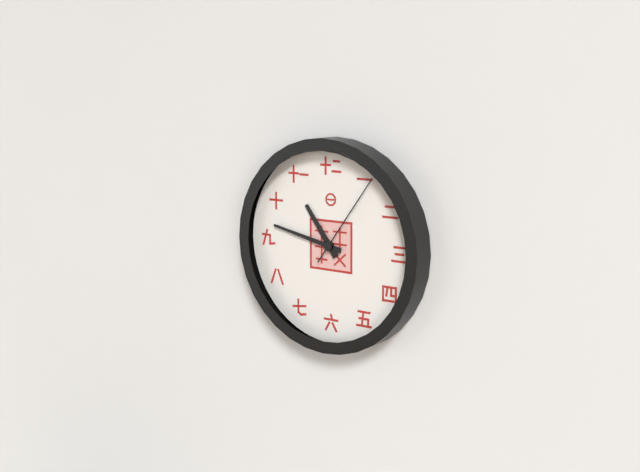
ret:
10:47:06
